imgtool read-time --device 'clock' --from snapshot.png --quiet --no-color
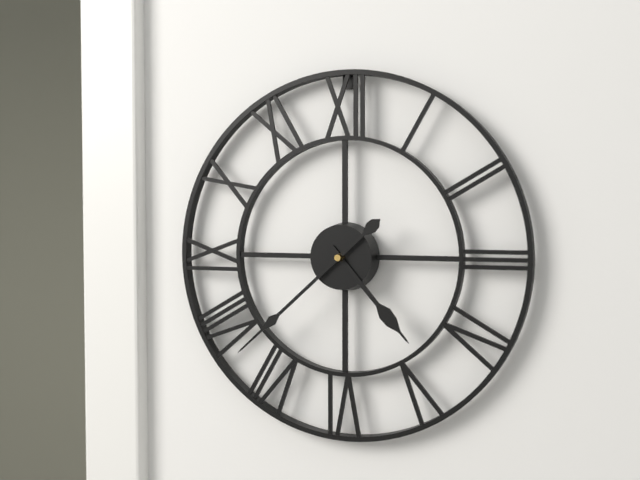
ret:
4:38
